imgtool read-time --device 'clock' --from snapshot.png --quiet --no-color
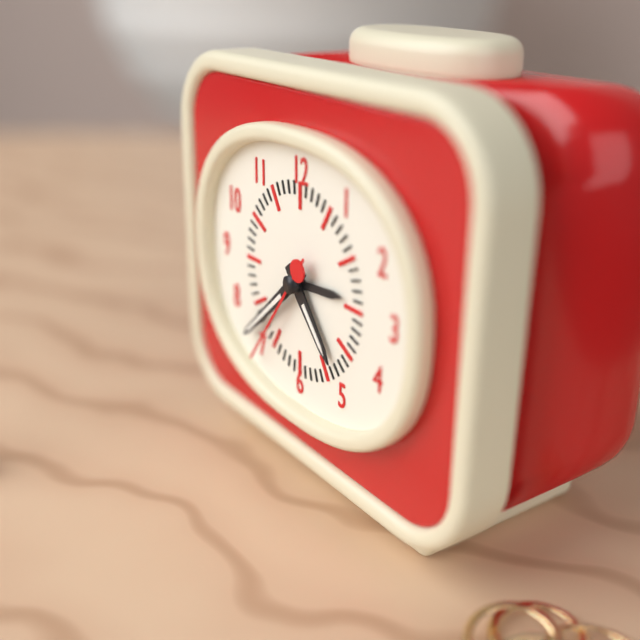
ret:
4:38:36
